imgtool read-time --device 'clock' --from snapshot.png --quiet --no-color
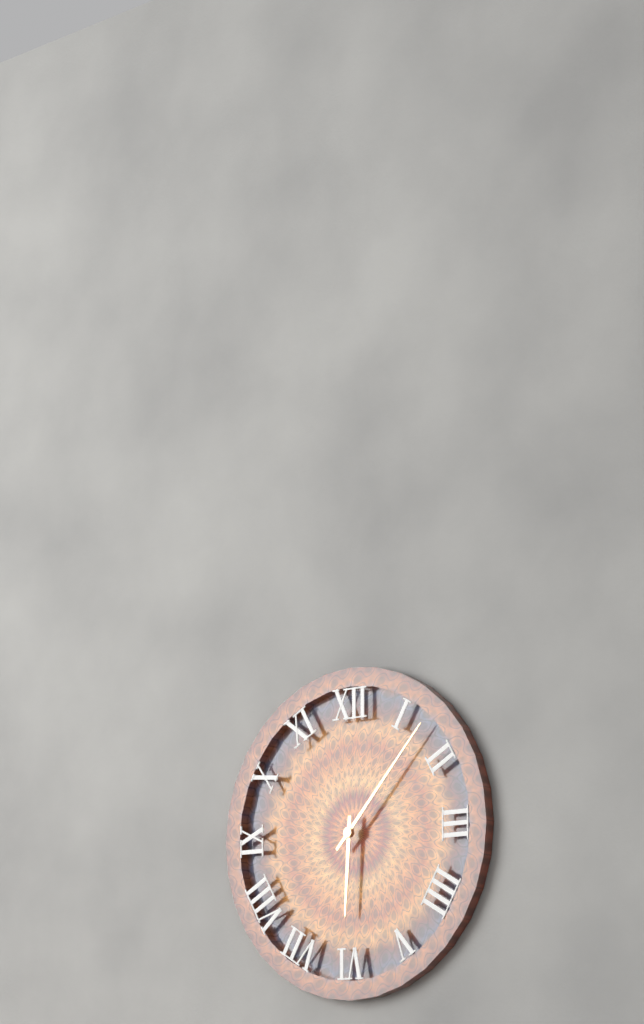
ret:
6:07
